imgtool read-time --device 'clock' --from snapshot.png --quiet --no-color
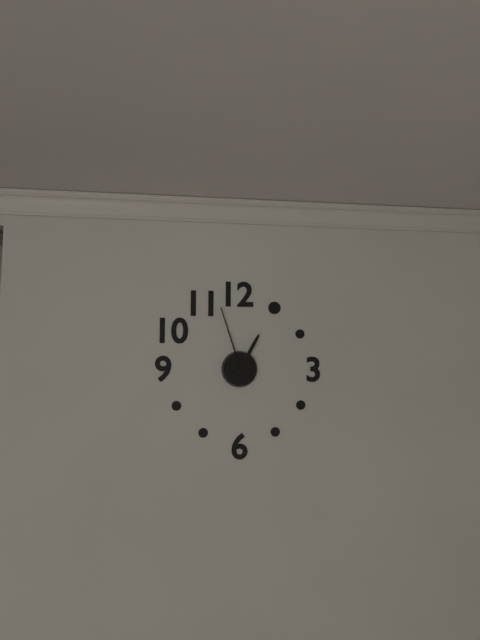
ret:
12:57
